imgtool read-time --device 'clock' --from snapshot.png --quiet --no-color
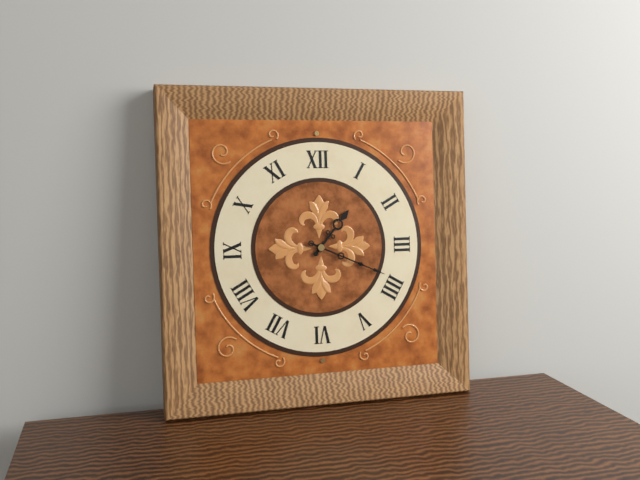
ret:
1:19
